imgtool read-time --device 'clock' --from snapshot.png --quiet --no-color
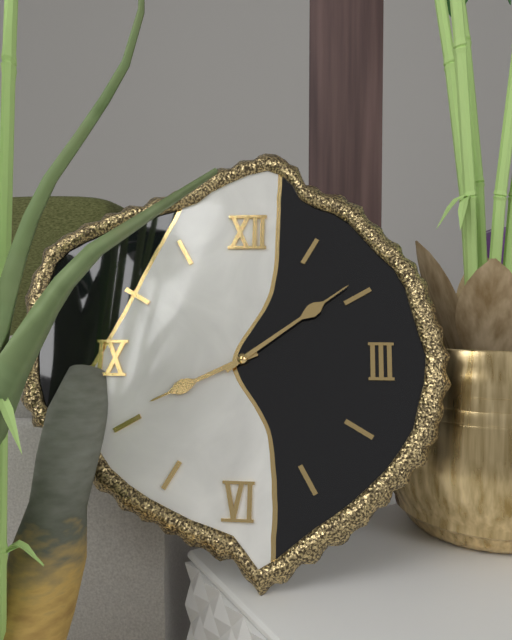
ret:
8:09
